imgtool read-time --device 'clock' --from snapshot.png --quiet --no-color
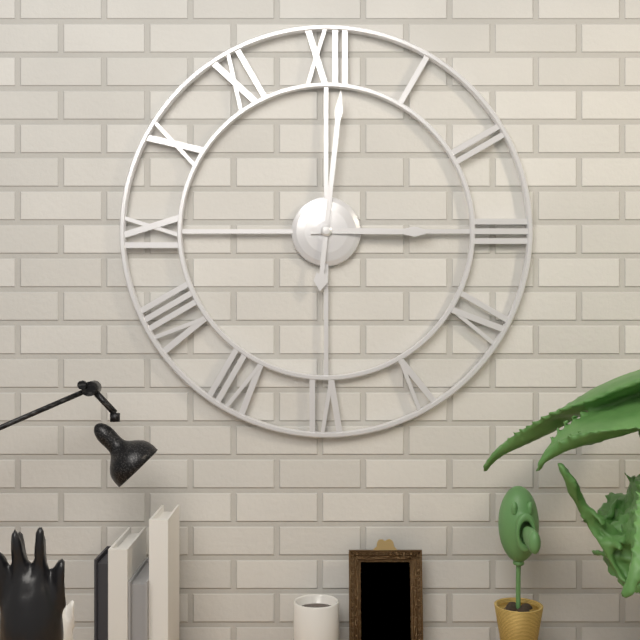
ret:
3:01
